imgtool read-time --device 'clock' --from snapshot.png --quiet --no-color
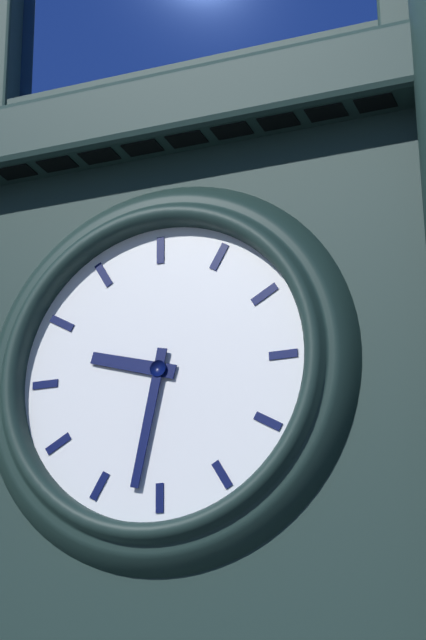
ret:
9:32
